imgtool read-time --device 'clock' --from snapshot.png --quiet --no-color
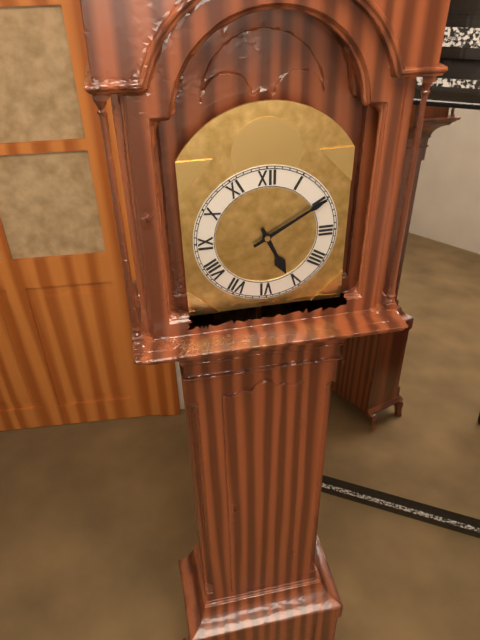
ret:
5:10
